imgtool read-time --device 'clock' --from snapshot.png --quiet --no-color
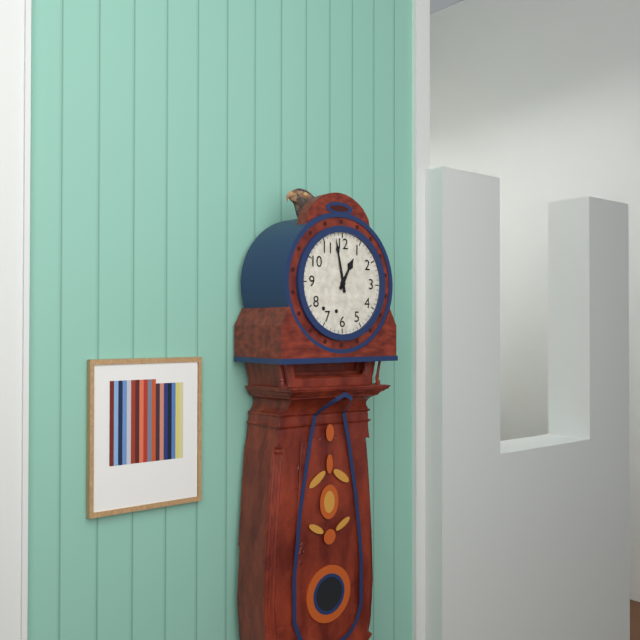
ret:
12:58
